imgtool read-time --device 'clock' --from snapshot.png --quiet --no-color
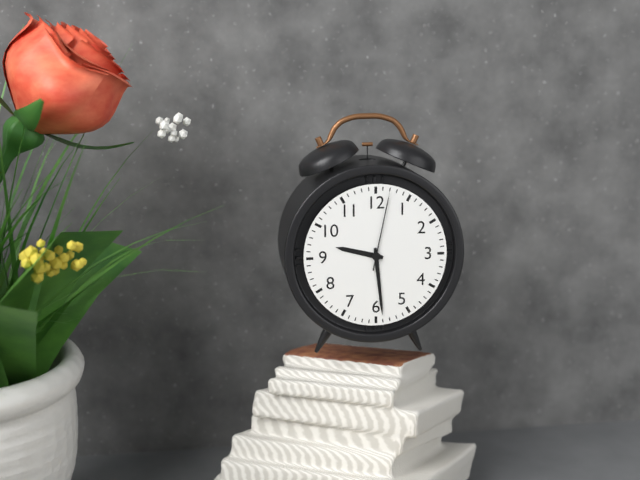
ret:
9:29:02
